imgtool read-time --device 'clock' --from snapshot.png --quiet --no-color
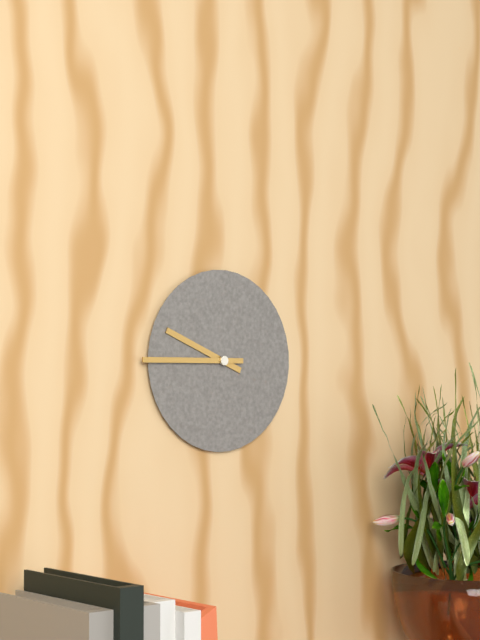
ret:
9:45
